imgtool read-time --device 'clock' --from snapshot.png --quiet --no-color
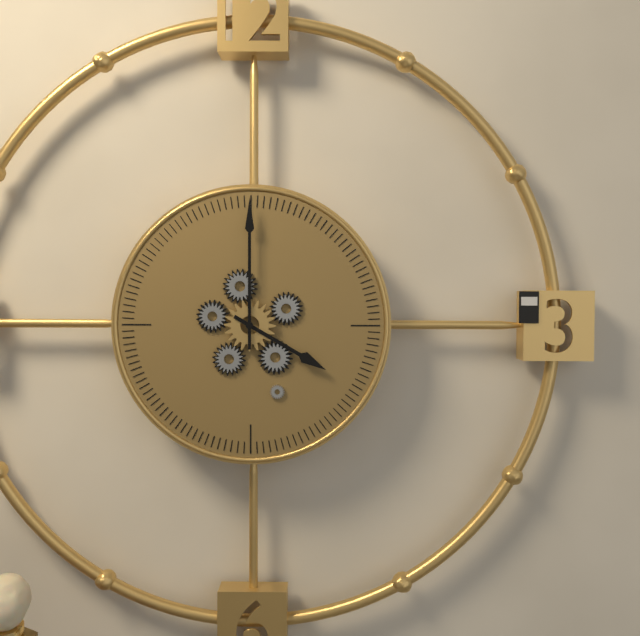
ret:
4:00
